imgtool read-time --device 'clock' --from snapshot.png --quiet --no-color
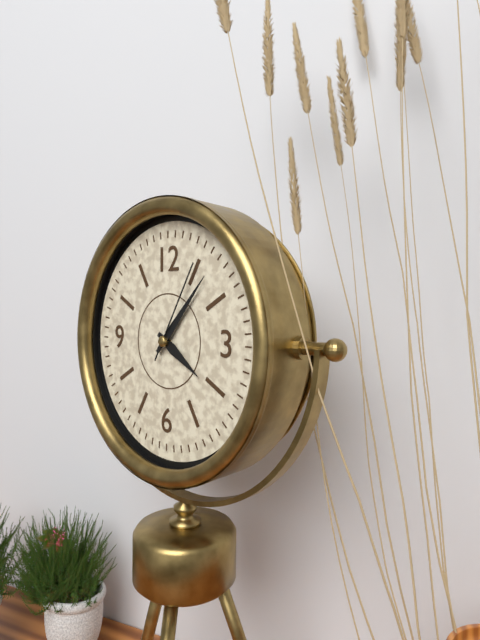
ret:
4:07:05
